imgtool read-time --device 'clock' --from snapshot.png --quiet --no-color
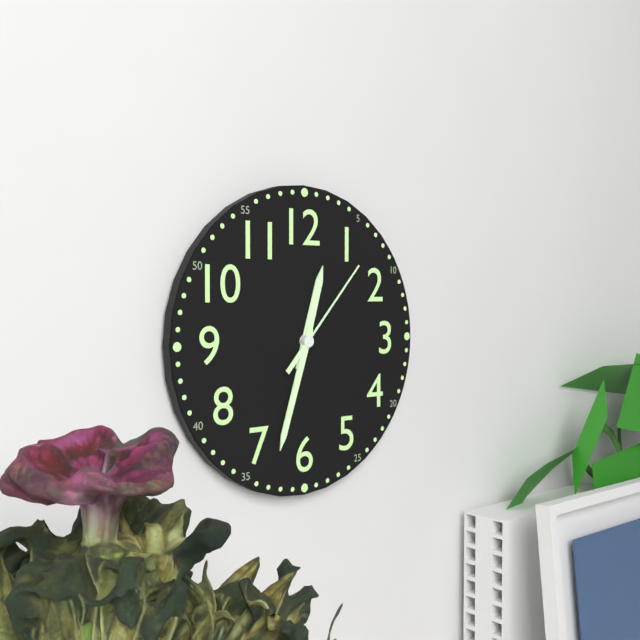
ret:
12:33:07
